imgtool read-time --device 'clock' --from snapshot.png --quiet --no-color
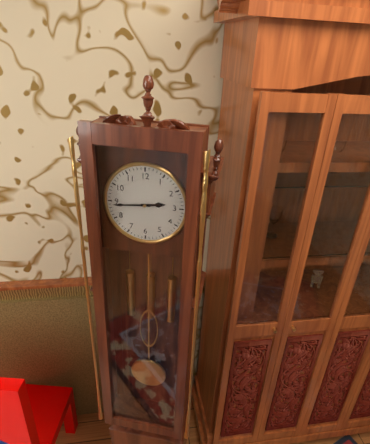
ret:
2:44
